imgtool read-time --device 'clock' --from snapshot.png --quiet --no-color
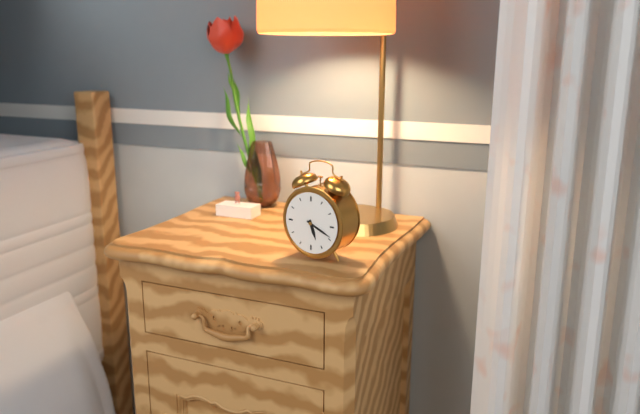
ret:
5:19
